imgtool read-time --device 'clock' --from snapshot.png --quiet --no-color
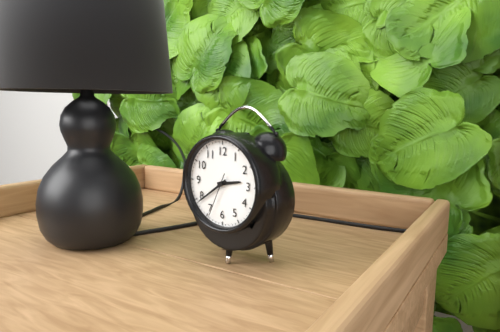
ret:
2:39
